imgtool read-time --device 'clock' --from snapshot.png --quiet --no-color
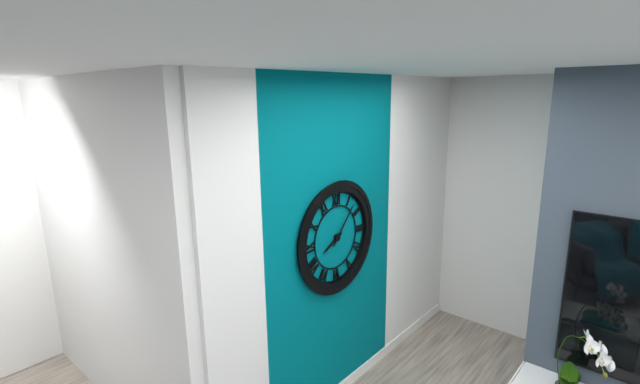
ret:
8:07
